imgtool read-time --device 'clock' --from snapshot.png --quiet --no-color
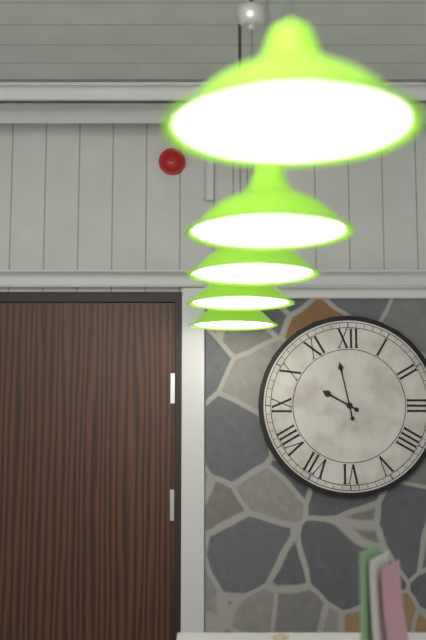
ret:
9:58
